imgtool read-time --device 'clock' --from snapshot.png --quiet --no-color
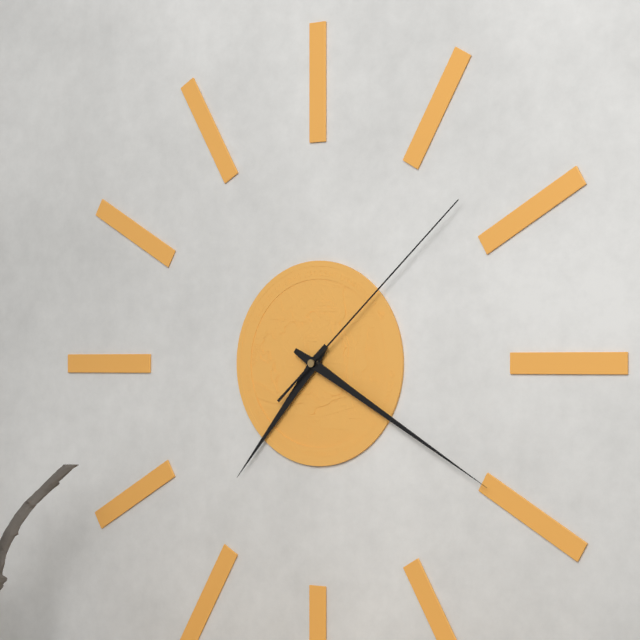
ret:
7:20:08
